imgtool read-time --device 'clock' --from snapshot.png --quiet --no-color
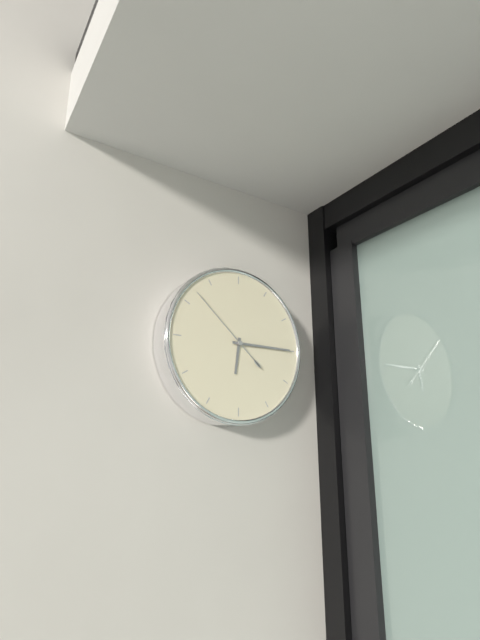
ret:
6:15:52
